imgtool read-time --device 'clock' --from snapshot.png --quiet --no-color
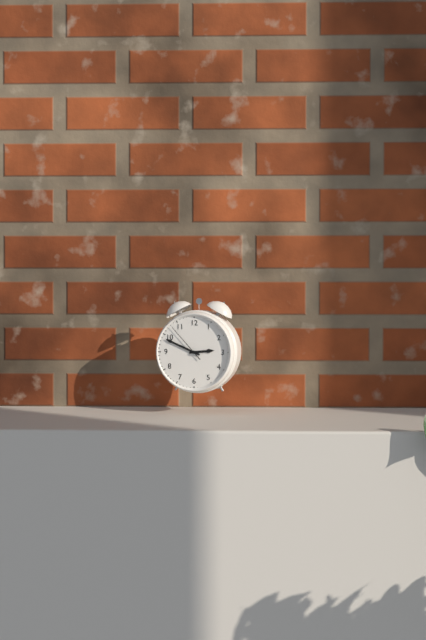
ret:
2:49
